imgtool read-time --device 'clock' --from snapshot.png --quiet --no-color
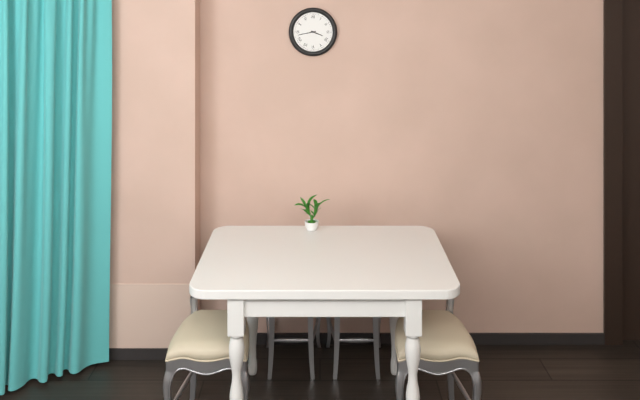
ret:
3:43
